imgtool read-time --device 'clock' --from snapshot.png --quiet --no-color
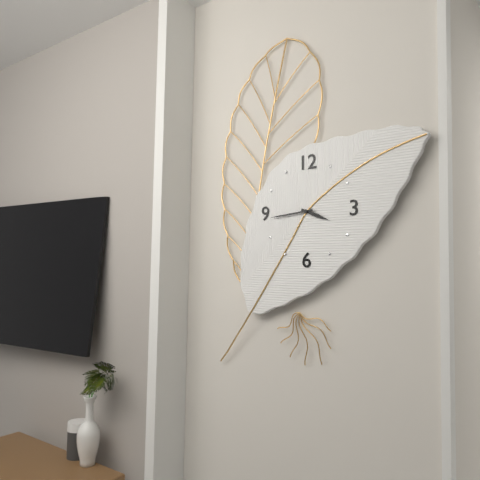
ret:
3:44
